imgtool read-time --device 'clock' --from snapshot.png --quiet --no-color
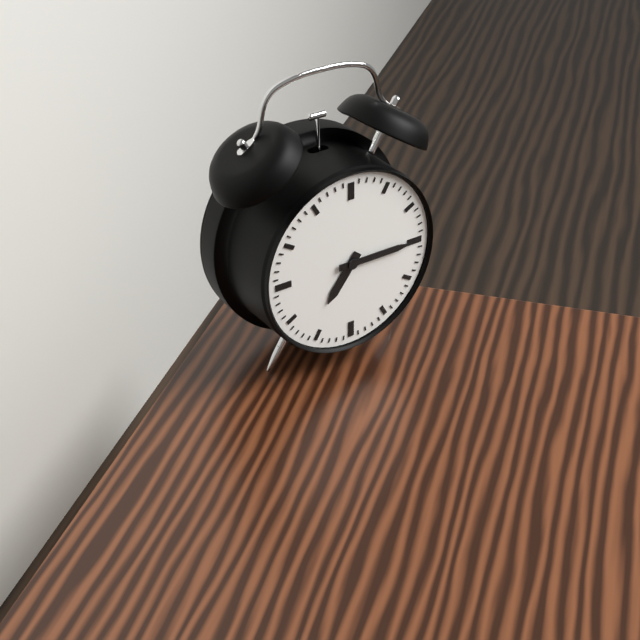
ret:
7:15
